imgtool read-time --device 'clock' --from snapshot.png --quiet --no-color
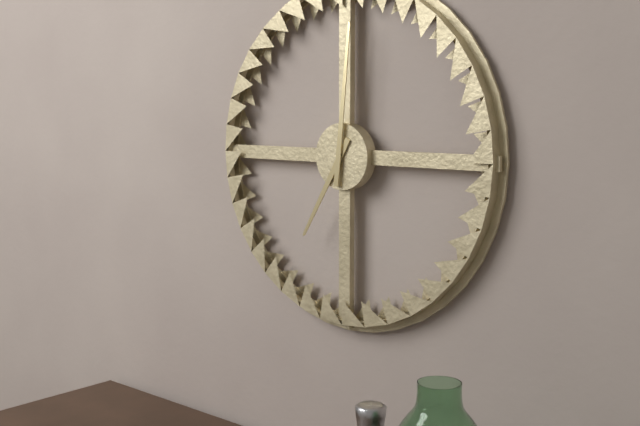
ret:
7:01
